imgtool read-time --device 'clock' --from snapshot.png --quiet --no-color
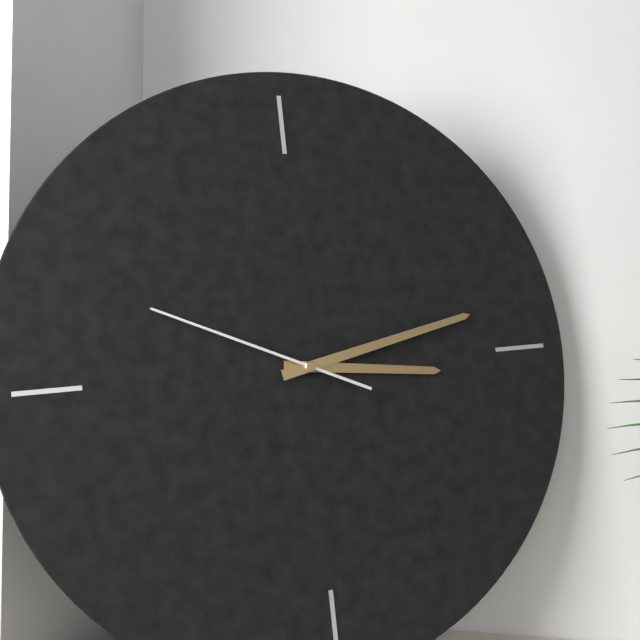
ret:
3:13:49
